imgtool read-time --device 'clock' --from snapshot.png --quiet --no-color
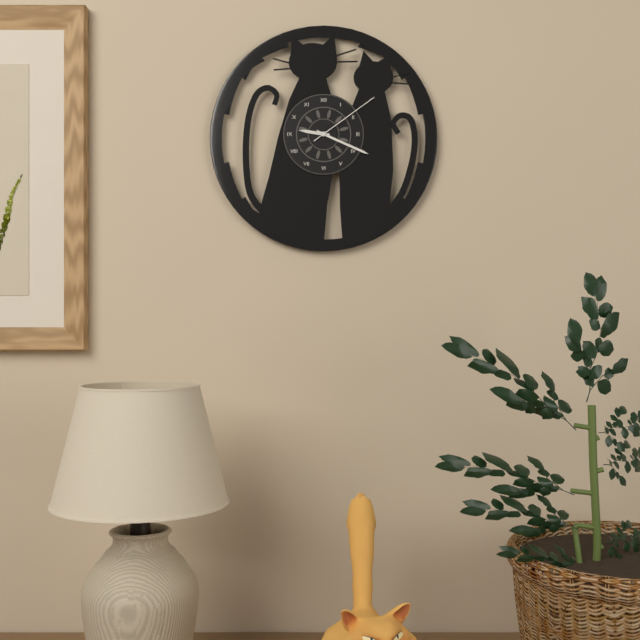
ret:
9:19:09
